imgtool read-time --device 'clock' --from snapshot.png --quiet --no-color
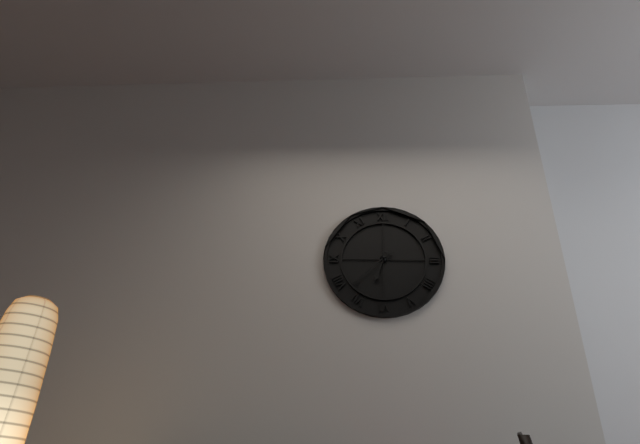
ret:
6:38
